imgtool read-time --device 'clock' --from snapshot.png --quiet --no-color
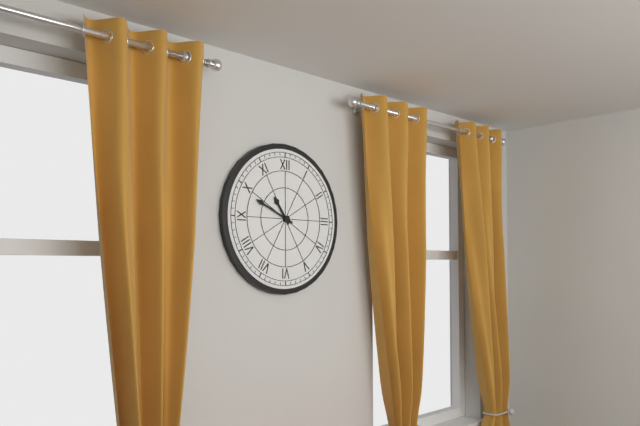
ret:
10:49
